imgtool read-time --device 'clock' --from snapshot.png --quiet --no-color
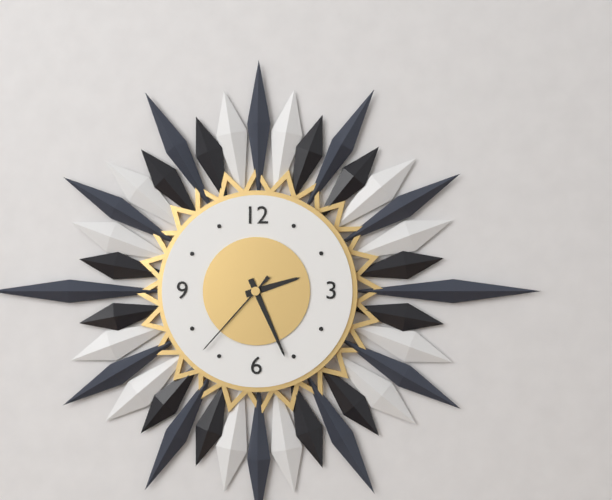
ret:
2:26:37
